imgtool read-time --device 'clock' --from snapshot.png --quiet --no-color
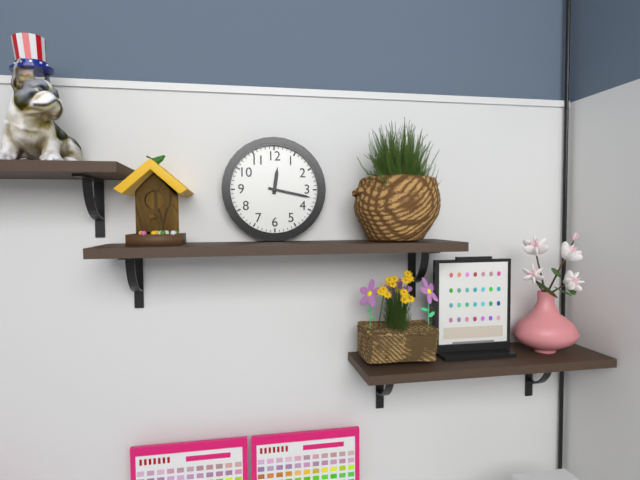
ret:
12:17
